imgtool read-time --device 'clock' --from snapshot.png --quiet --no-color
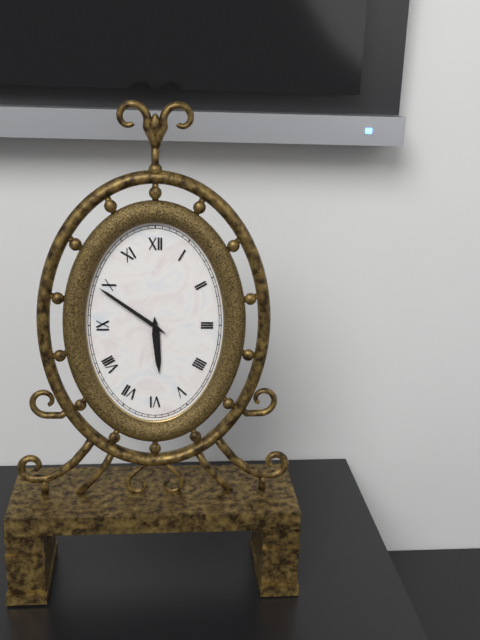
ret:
5:51
